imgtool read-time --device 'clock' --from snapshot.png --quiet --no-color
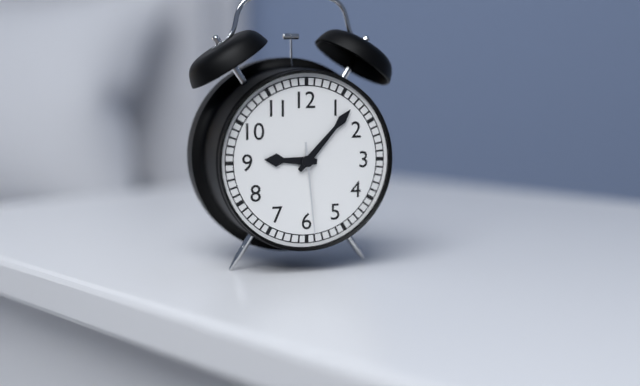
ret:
9:07:29
